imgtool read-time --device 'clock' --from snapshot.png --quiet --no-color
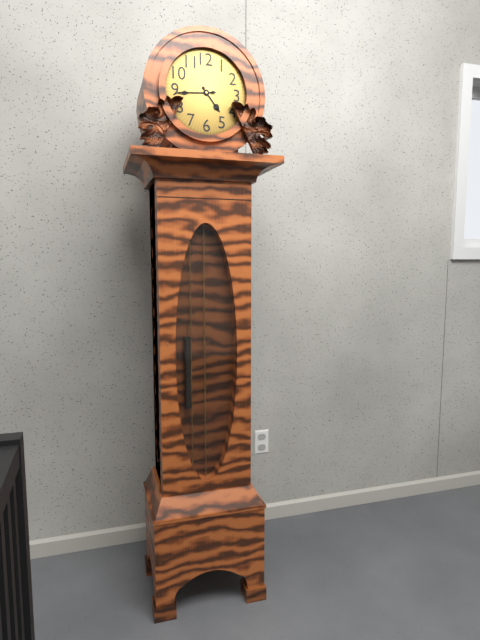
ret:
4:44
